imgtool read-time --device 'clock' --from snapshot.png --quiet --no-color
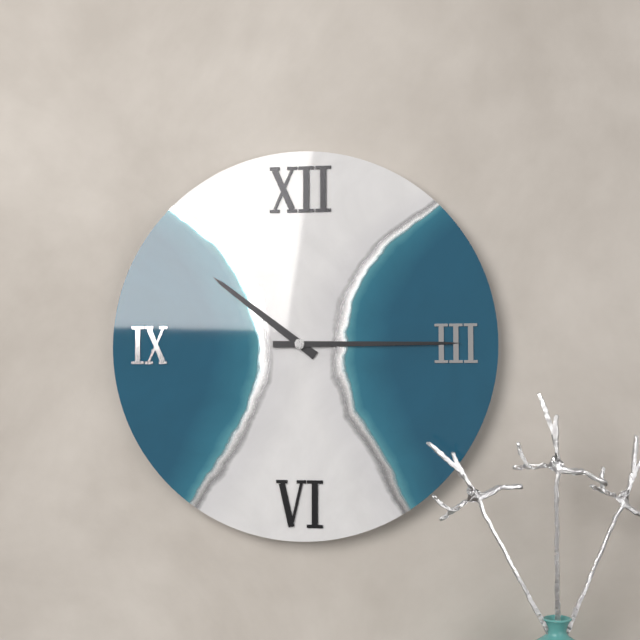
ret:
10:15
